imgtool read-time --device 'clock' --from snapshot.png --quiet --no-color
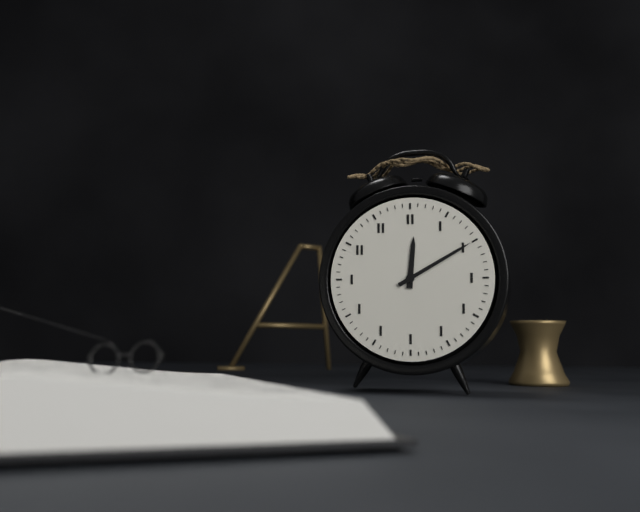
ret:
12:10
